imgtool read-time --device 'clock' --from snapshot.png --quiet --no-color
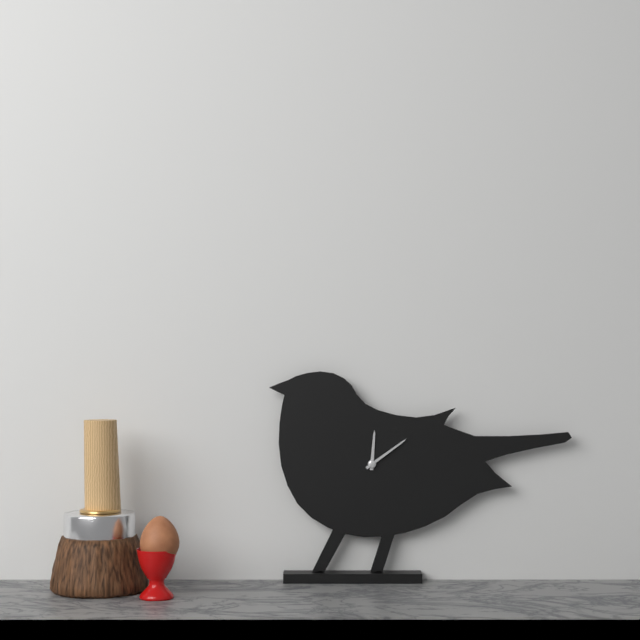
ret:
12:09
